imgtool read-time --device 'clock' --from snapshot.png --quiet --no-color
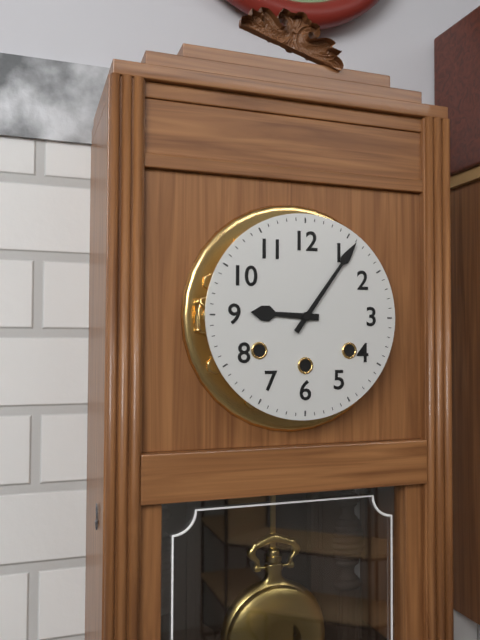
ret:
9:06
